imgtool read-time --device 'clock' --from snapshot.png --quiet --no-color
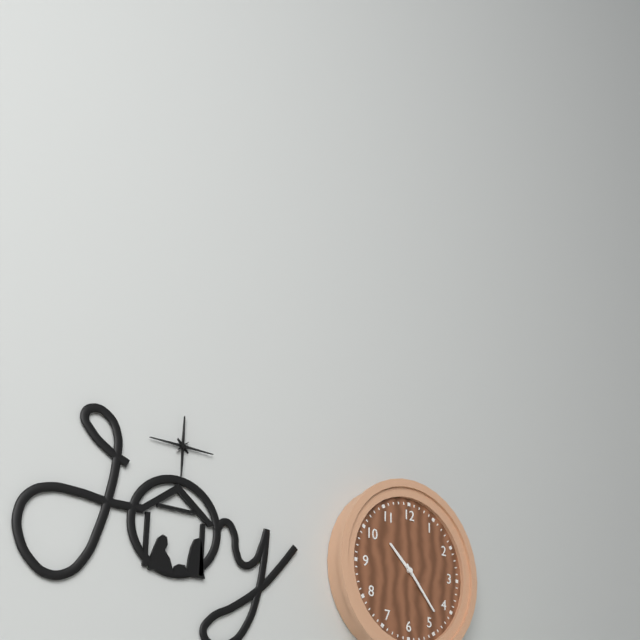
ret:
10:23
